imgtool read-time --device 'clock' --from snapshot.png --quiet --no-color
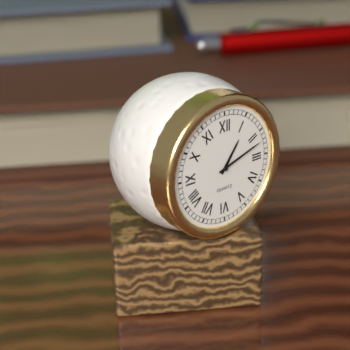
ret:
1:12
